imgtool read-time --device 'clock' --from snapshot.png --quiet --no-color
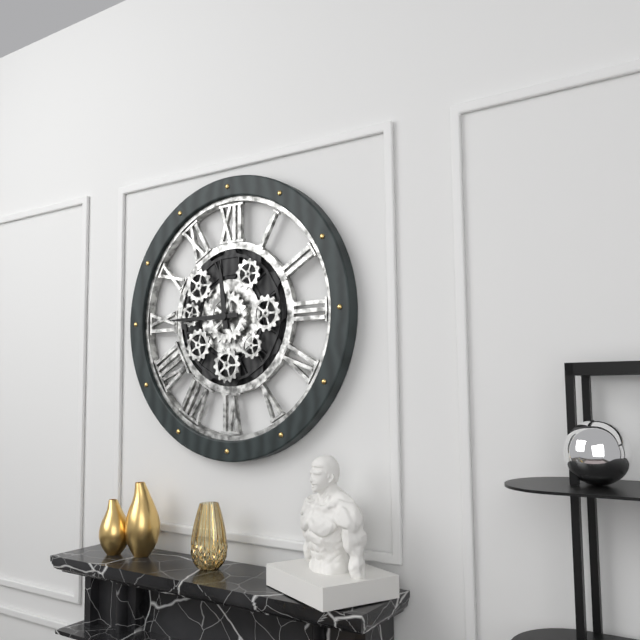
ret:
11:45
